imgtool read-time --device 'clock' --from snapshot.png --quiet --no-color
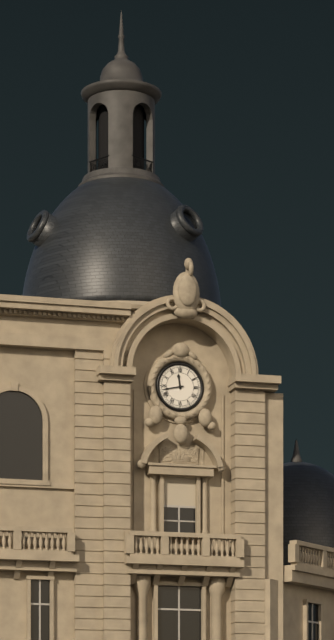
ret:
11:43
